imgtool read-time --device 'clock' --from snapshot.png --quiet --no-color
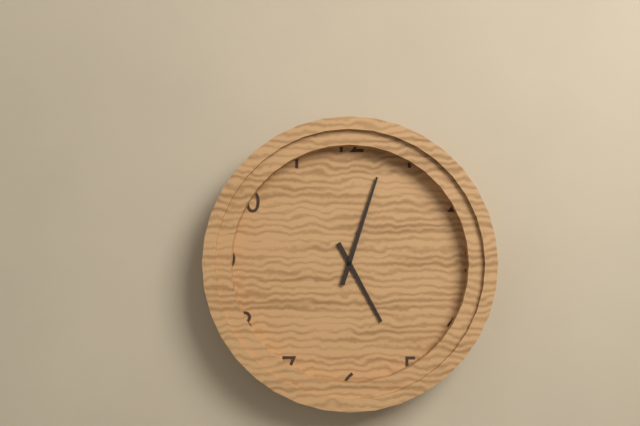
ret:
5:03
